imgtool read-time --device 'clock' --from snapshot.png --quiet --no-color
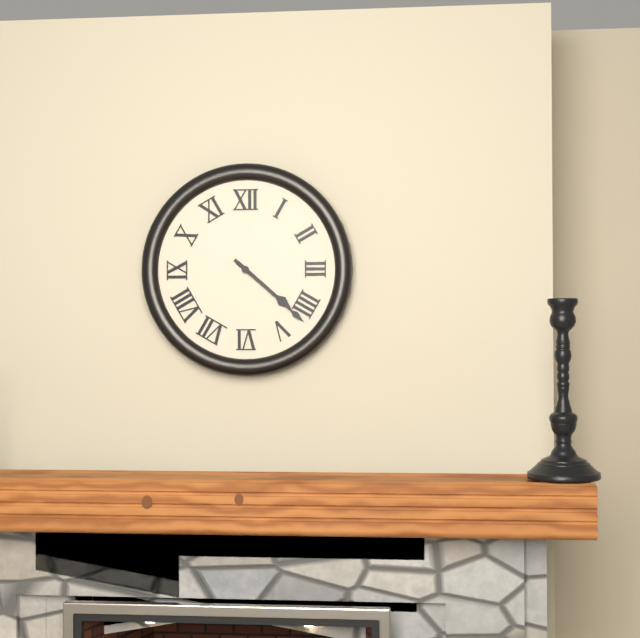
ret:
4:22
